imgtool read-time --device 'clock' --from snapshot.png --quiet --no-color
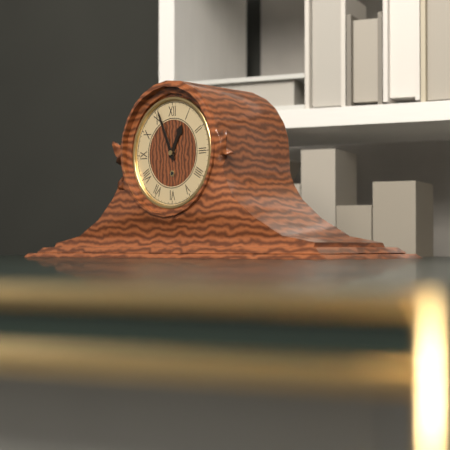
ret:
12:56
